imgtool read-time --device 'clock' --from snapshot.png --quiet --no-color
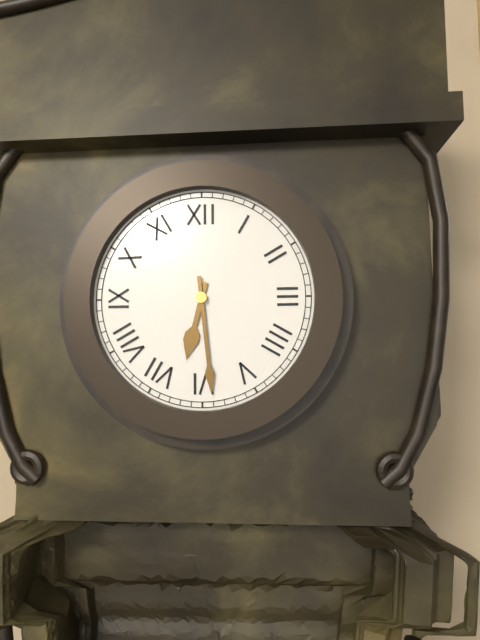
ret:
6:29
